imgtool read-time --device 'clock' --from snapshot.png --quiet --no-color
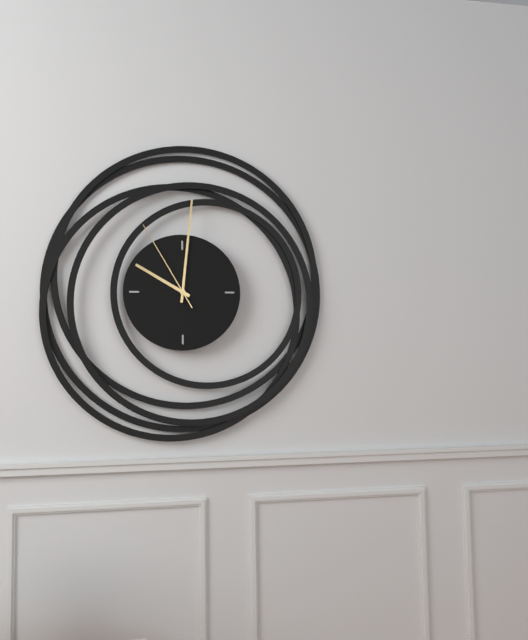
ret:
10:01:55
